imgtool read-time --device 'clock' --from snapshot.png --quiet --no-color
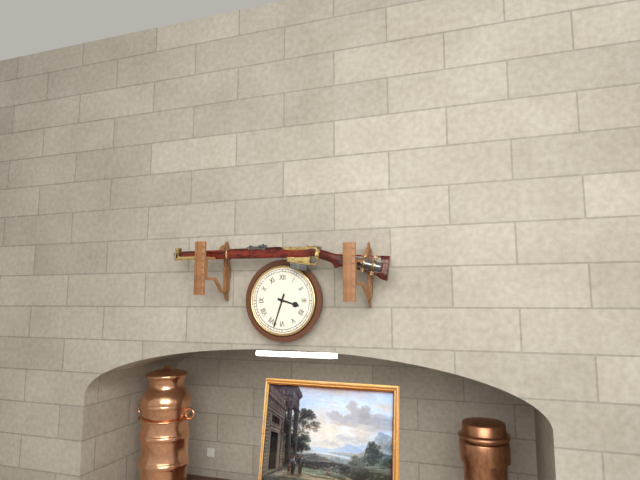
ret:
3:33
